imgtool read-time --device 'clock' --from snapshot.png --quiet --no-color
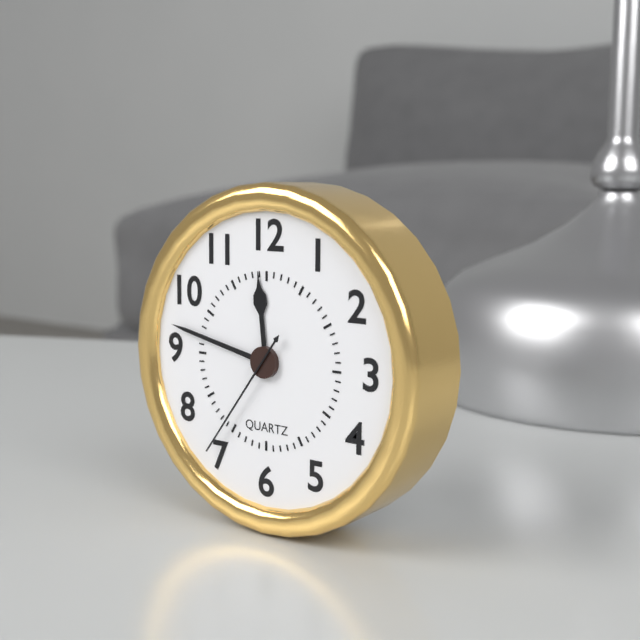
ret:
11:47:36
